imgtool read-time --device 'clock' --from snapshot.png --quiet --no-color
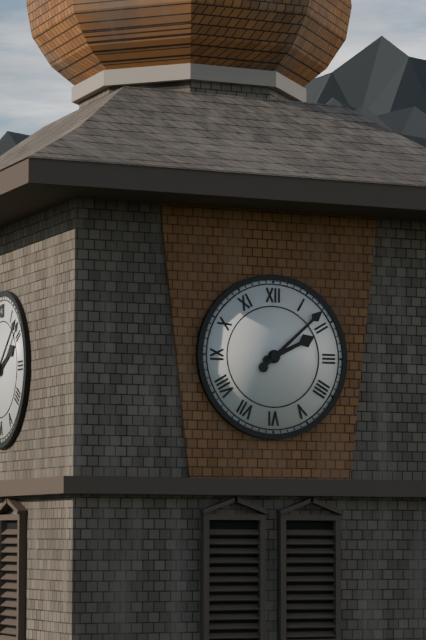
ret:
2:08
